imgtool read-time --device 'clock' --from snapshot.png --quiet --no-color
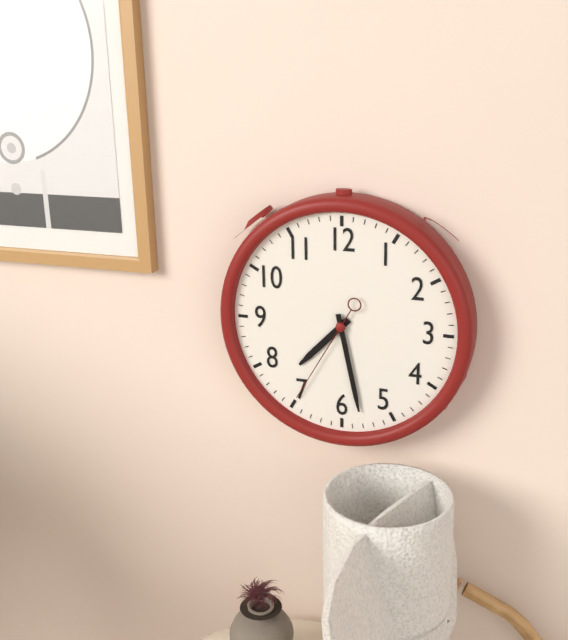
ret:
7:28:35
